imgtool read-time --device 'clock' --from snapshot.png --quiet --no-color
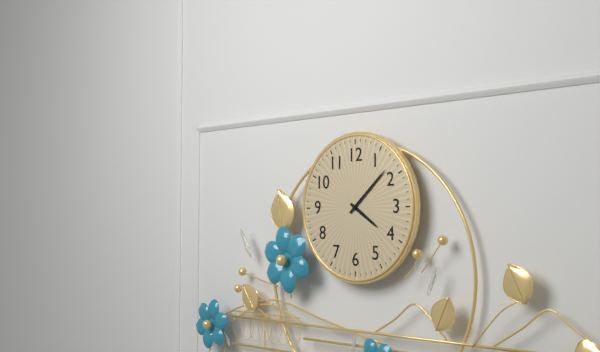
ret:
4:08
